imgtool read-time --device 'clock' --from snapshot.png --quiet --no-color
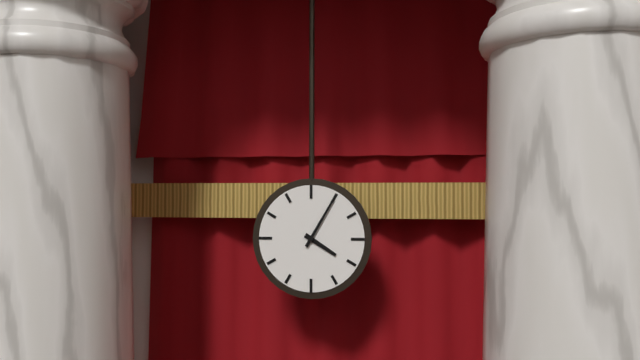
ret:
4:05
